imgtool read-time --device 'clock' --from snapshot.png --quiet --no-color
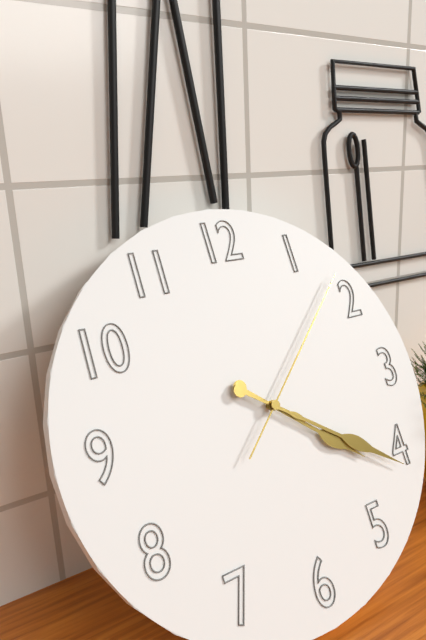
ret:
4:21:08
